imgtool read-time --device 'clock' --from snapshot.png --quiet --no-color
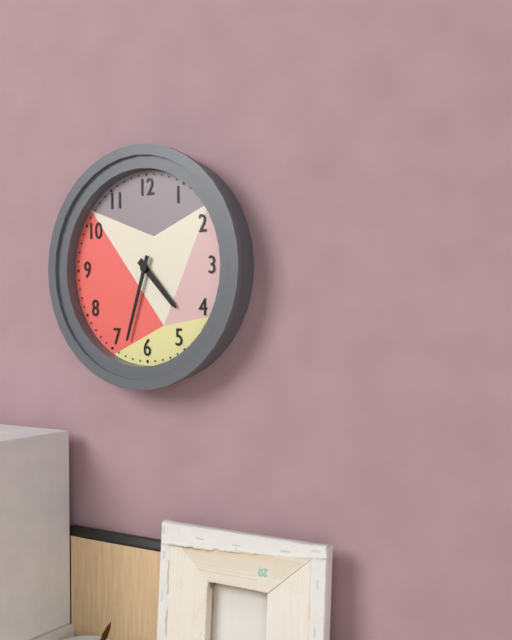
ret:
4:33
